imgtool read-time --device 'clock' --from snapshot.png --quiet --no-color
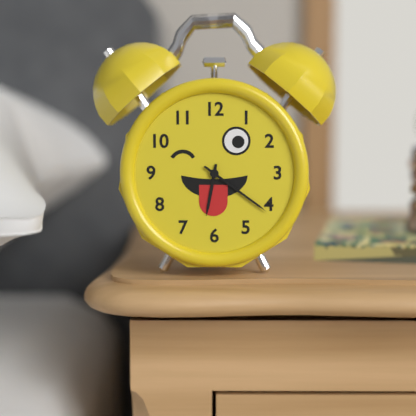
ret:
6:21
